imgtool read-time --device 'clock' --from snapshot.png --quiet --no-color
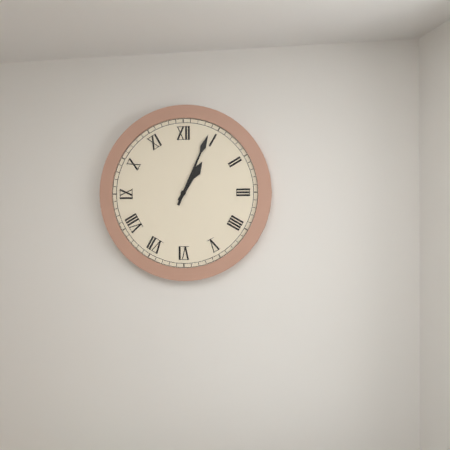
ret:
1:04
